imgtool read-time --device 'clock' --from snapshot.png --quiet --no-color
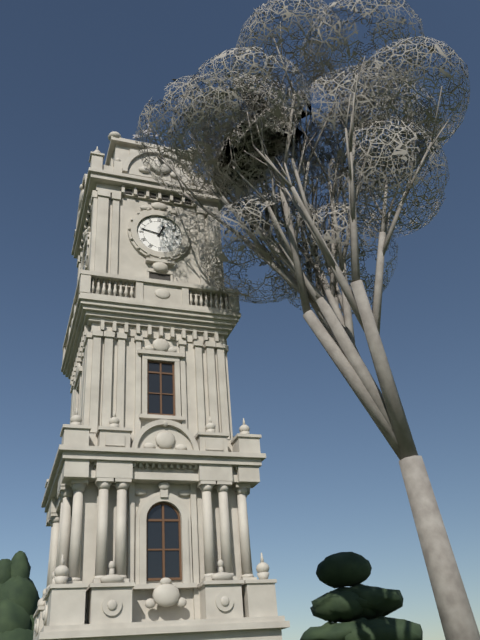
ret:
12:47
